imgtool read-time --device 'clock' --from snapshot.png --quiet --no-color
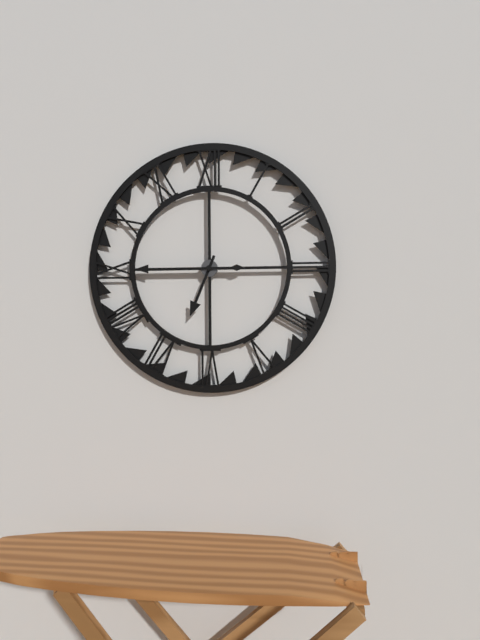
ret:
6:45
